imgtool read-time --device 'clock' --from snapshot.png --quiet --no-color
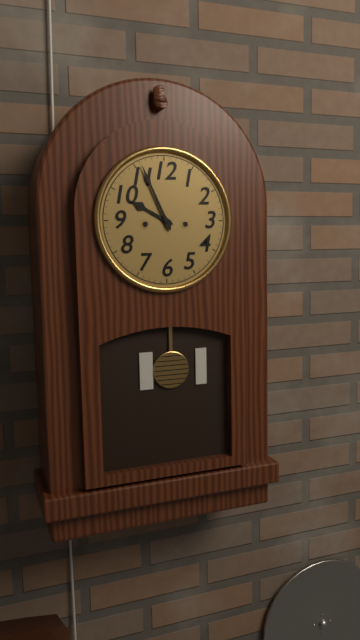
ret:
9:56
